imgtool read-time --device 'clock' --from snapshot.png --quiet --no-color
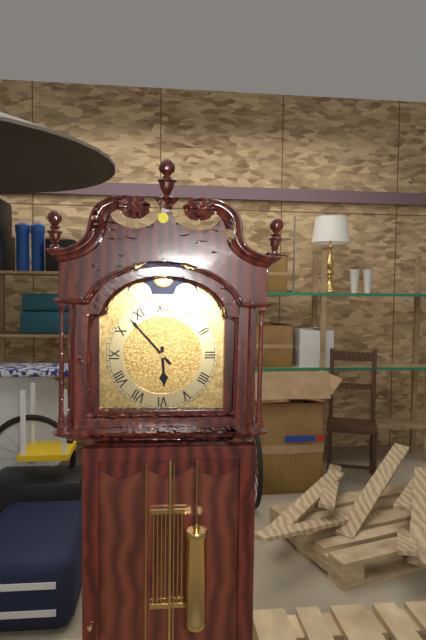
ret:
5:53
